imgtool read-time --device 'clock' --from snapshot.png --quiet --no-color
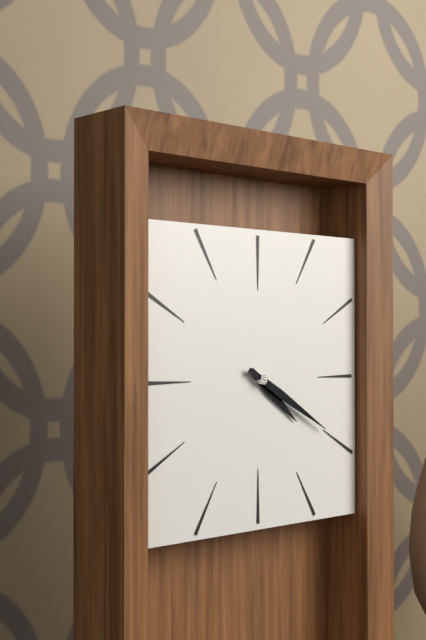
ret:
4:20
